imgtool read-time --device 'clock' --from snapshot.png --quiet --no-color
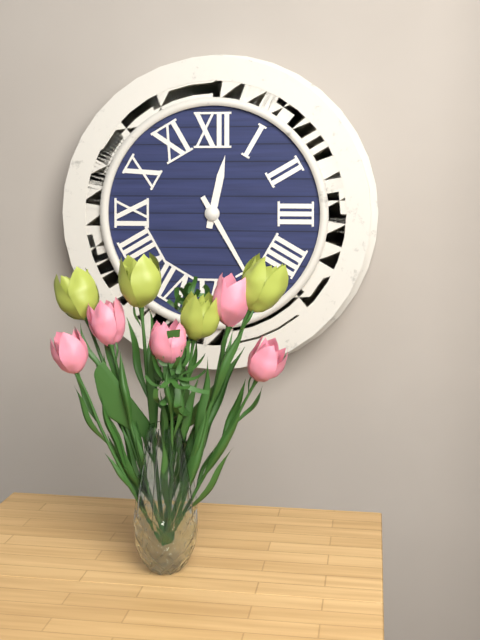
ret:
12:25
